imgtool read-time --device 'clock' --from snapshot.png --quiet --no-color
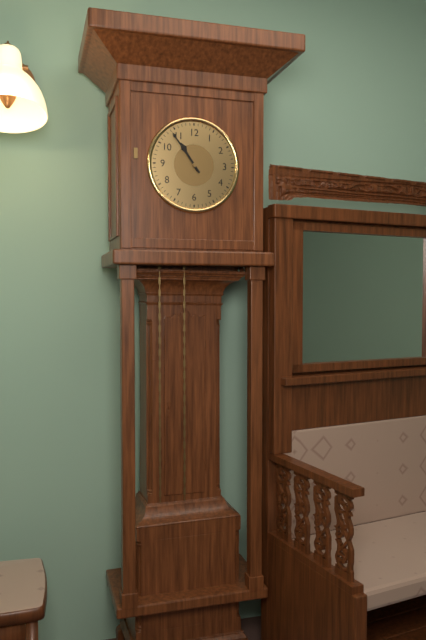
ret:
10:54
